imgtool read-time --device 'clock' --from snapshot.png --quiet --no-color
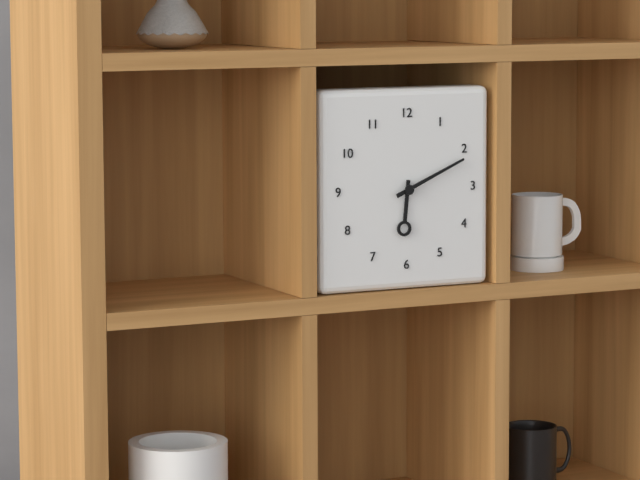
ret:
6:11
